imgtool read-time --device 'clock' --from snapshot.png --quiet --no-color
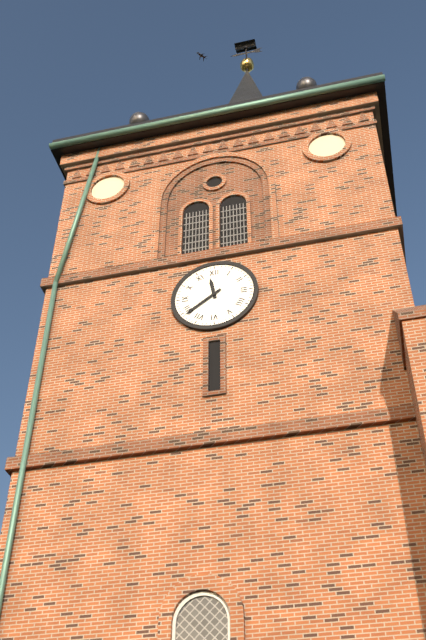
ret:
11:39
